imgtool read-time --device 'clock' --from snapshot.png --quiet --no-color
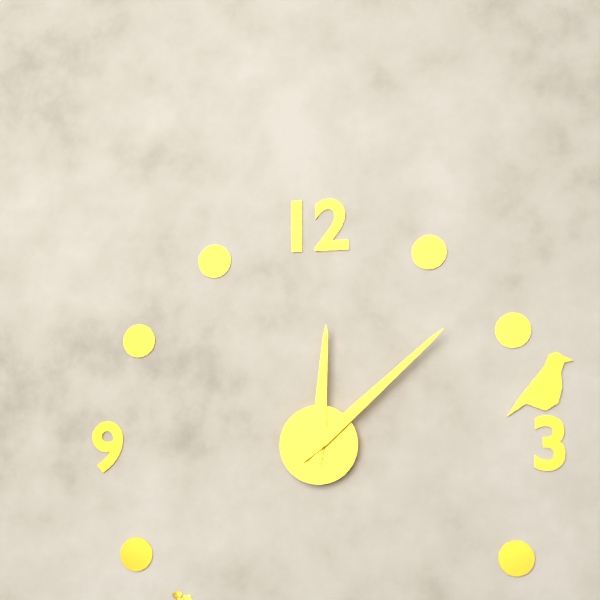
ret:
12:08
